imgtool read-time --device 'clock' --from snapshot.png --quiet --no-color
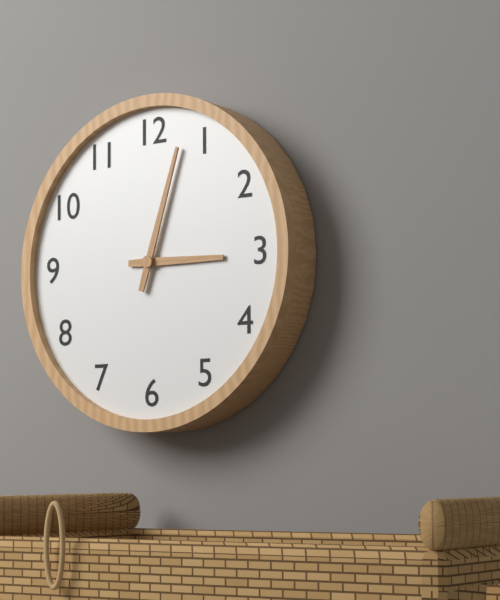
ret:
3:03
